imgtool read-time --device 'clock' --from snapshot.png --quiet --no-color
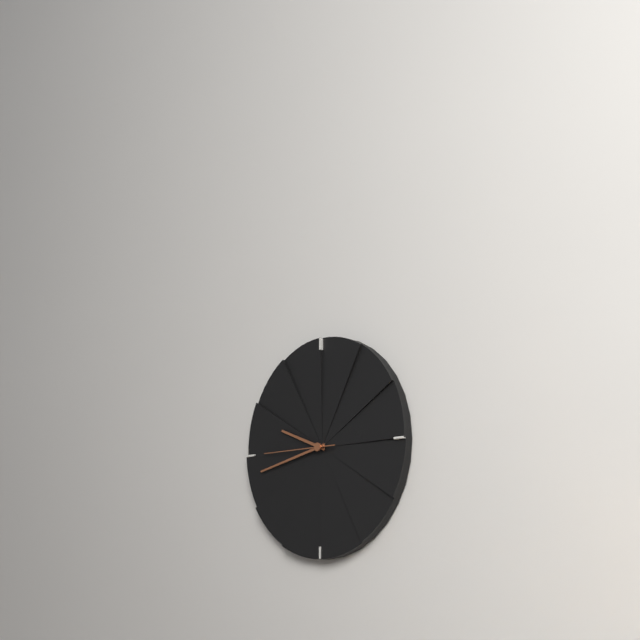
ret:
9:43:45
